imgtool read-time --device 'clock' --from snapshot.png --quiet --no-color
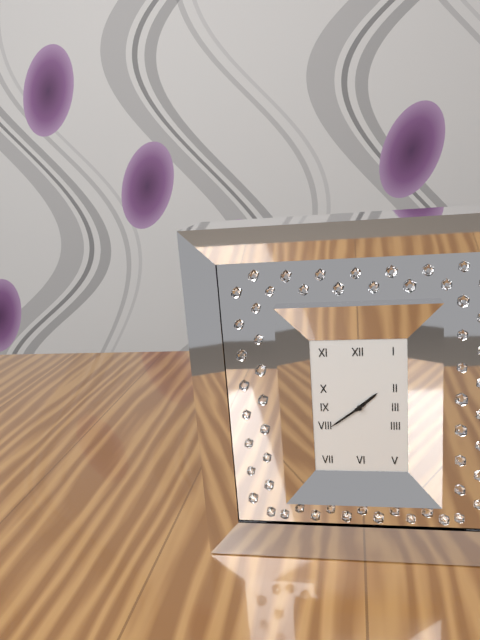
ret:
1:39
